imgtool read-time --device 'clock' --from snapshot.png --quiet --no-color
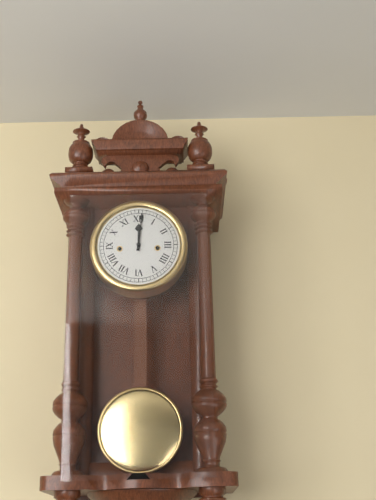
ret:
12:01
